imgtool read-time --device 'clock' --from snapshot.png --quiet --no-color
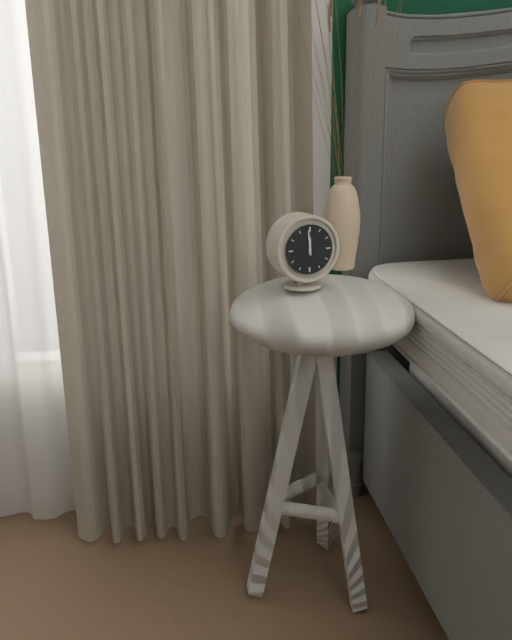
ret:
11:59
